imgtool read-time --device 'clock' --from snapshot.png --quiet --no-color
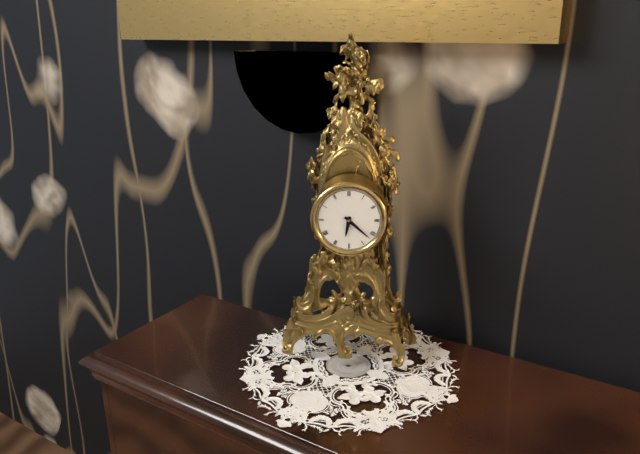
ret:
6:22
